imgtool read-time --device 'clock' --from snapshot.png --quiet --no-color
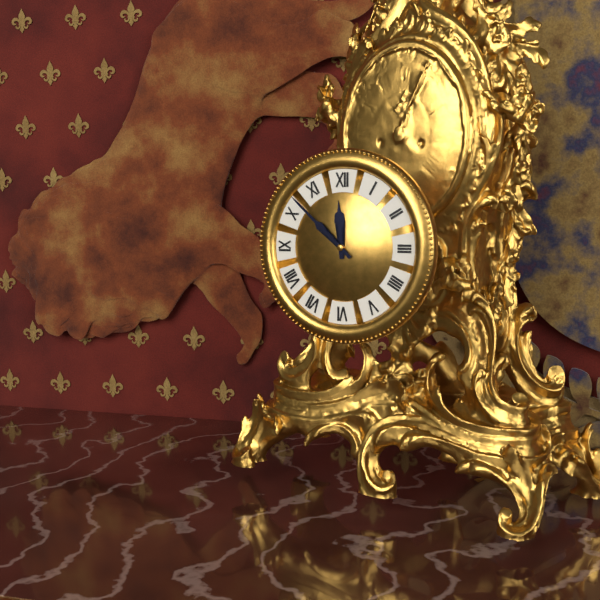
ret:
11:52
